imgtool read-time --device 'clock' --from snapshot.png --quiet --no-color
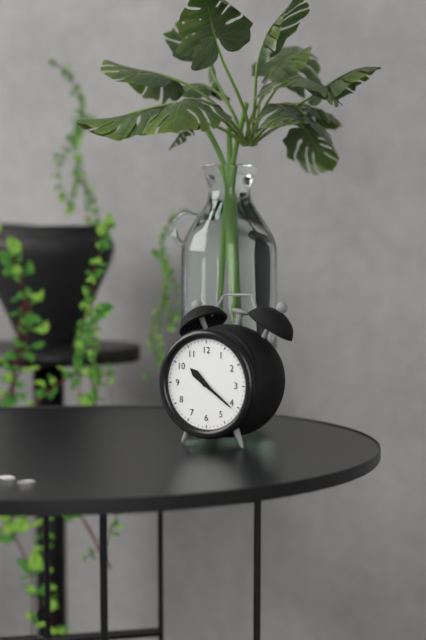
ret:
10:21
